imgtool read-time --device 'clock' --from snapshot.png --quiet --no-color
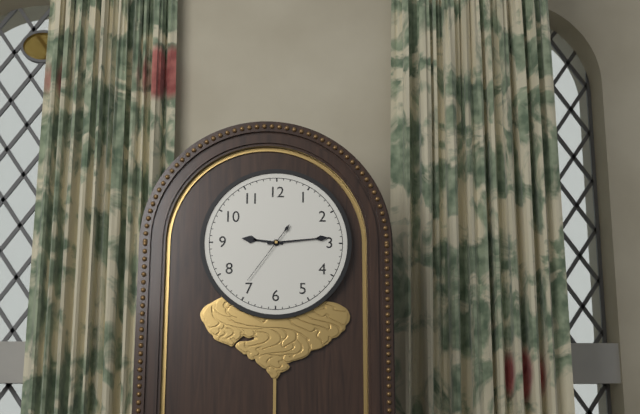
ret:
9:14:36
